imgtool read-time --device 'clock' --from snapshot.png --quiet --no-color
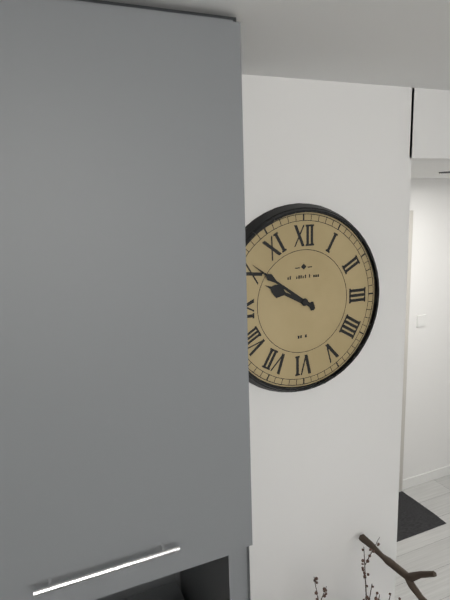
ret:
9:51
